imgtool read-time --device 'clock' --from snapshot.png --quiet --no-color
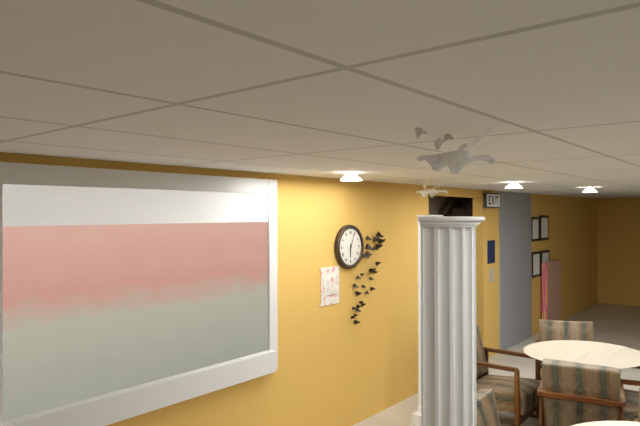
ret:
6:04
